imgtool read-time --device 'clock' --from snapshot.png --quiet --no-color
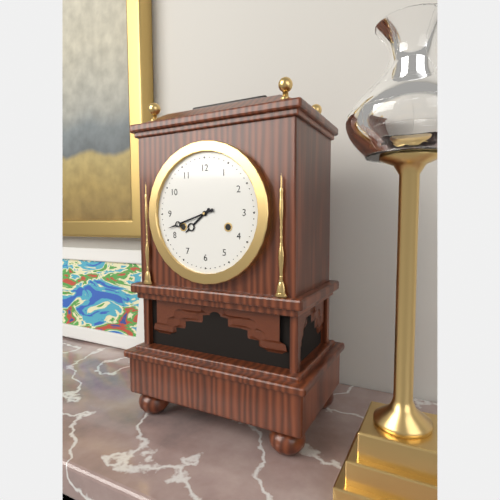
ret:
7:42
